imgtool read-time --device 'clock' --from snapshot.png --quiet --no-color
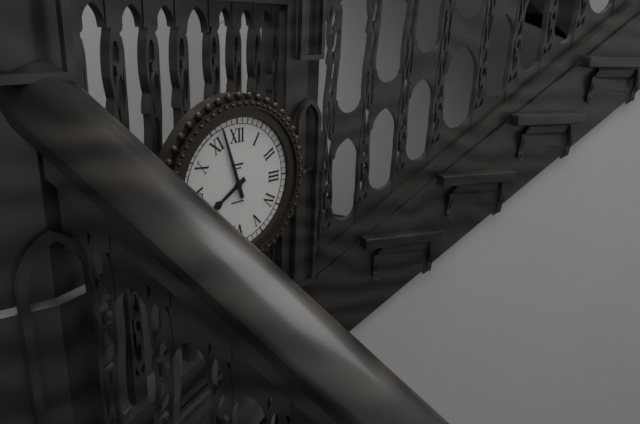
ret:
7:57
